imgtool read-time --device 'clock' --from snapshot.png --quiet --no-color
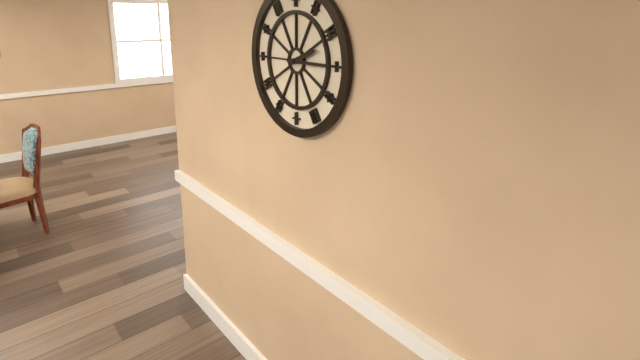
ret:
2:15
